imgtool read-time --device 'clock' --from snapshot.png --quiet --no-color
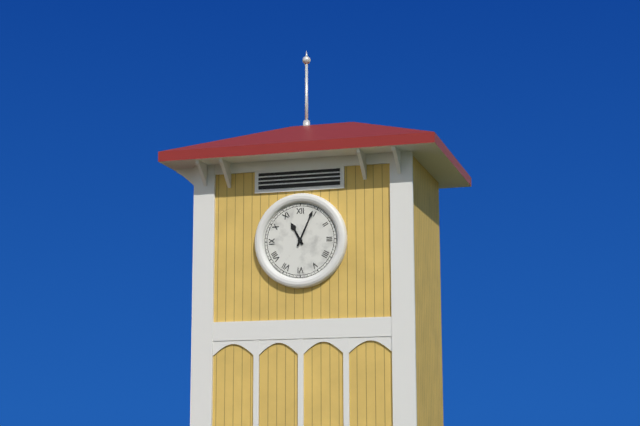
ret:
11:04
